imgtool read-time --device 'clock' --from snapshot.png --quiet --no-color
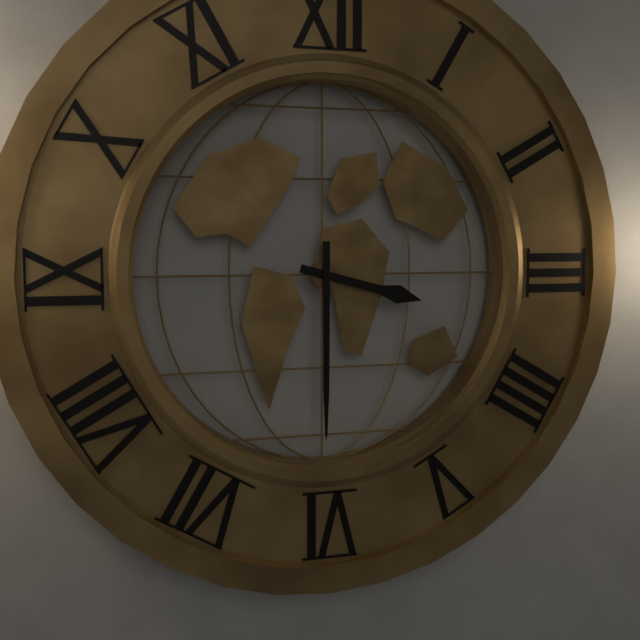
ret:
3:30
